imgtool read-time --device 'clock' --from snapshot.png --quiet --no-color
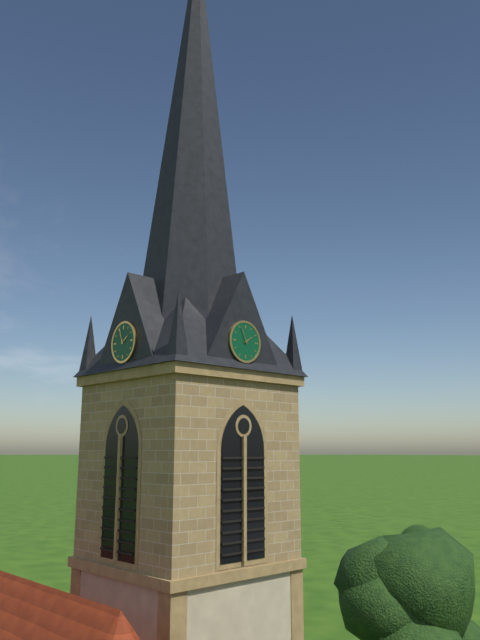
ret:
1:56
